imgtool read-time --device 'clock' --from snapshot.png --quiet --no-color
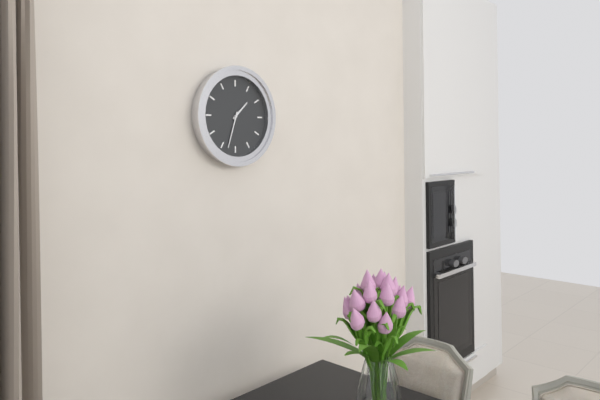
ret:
1:33
